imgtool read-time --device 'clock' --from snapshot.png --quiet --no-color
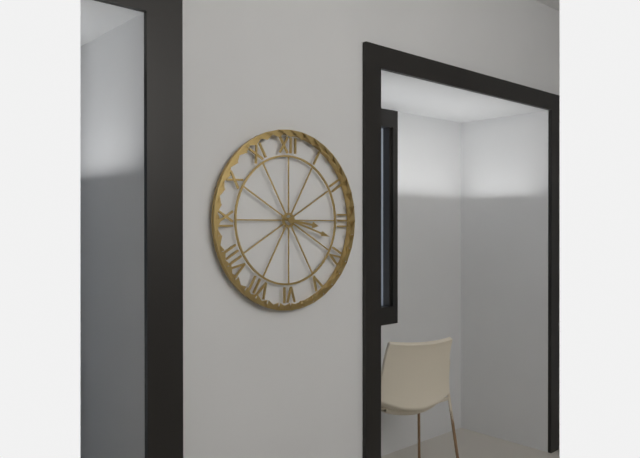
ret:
3:18
